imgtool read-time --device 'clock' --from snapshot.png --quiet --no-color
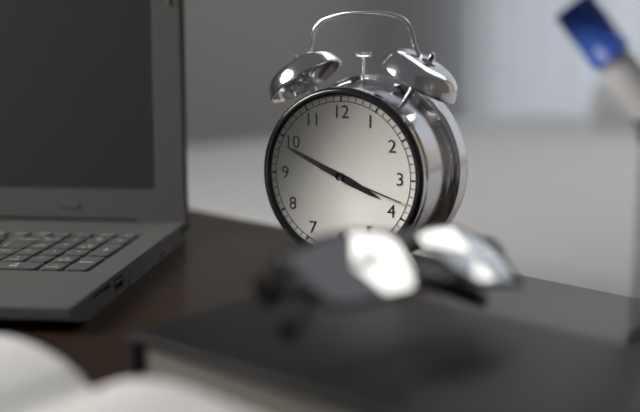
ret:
3:49:18
